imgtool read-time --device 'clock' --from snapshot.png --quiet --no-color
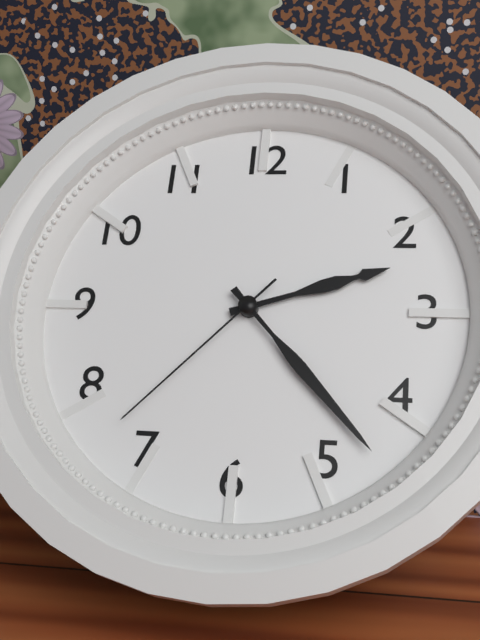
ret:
2:23:37
